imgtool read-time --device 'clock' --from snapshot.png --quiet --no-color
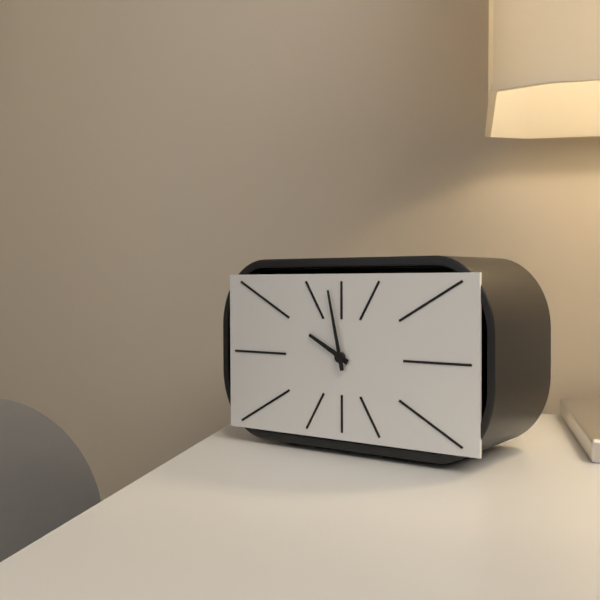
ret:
9:58
